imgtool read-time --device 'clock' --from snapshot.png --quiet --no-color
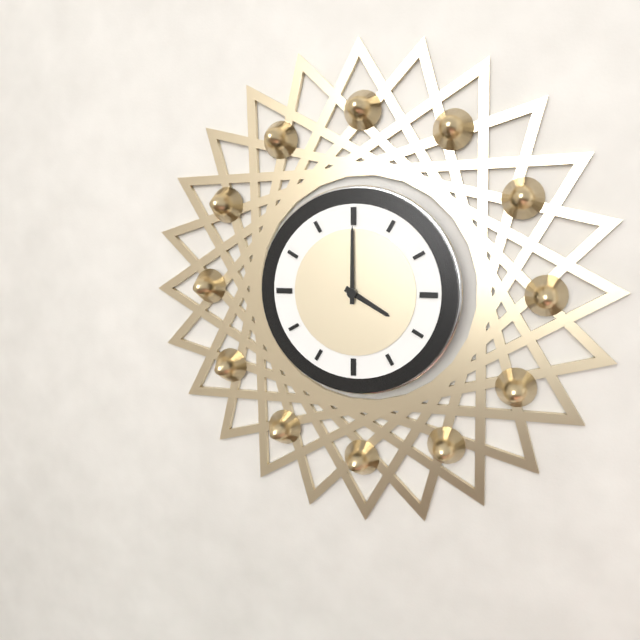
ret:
4:00
